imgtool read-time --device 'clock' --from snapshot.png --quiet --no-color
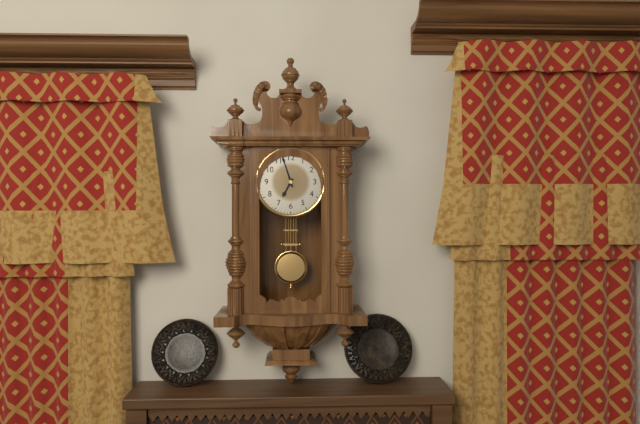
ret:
6:57
